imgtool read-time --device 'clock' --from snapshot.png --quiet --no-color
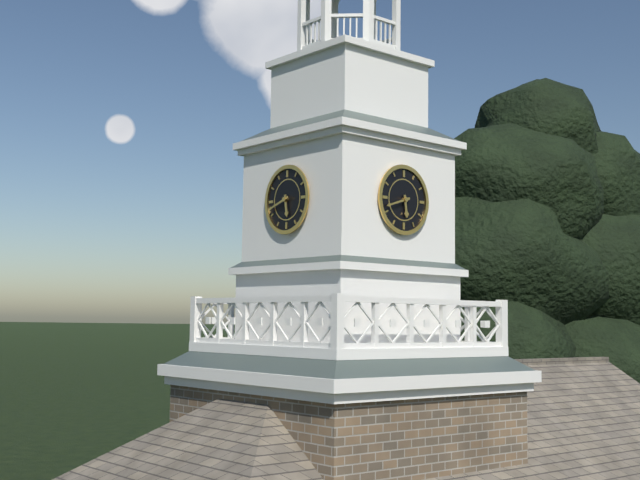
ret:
5:42
